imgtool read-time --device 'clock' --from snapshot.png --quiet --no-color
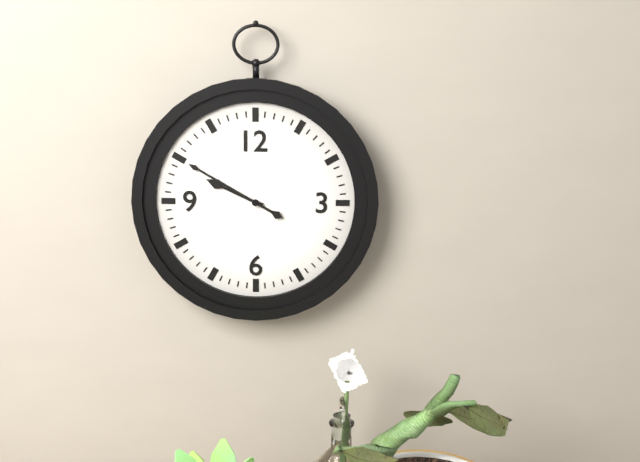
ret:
9:50
